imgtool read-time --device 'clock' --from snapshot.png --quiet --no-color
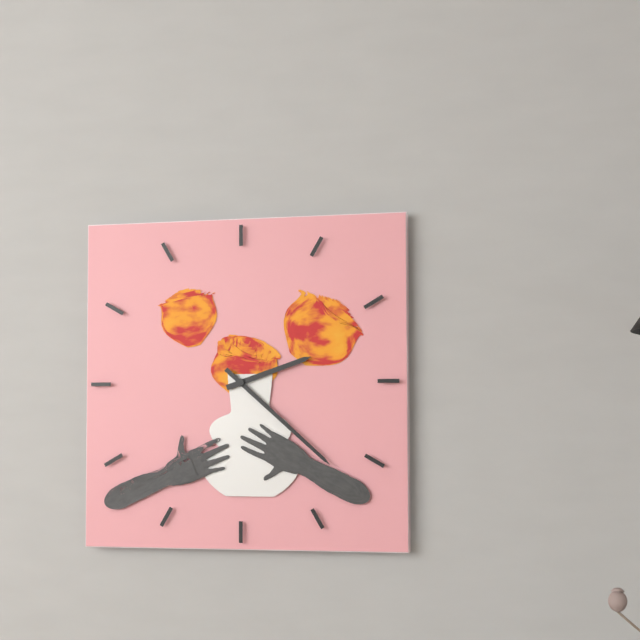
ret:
2:22
